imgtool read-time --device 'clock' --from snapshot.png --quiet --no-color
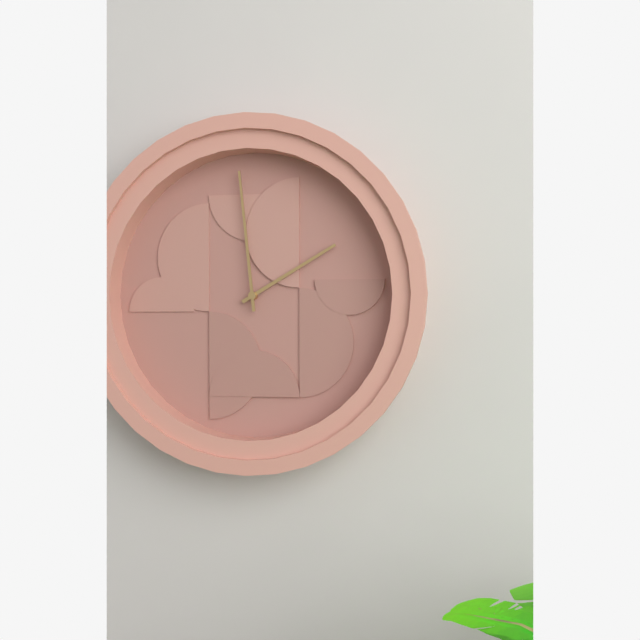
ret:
1:59
